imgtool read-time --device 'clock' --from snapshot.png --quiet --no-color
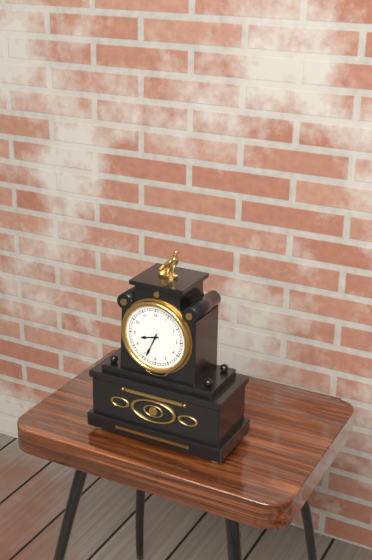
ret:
8:34
